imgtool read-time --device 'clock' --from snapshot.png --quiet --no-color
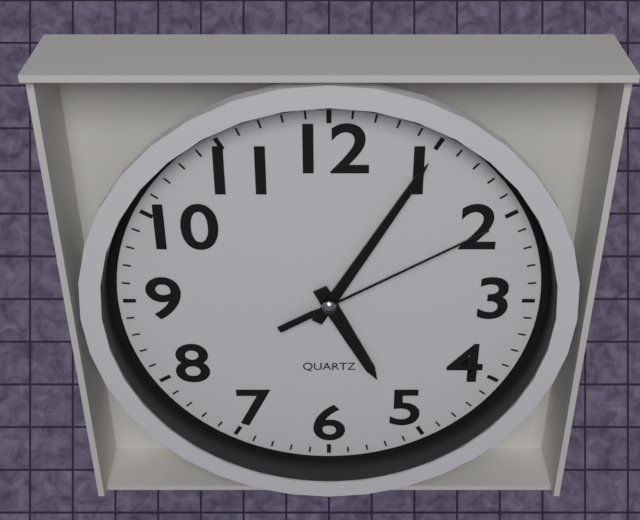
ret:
5:05:10
